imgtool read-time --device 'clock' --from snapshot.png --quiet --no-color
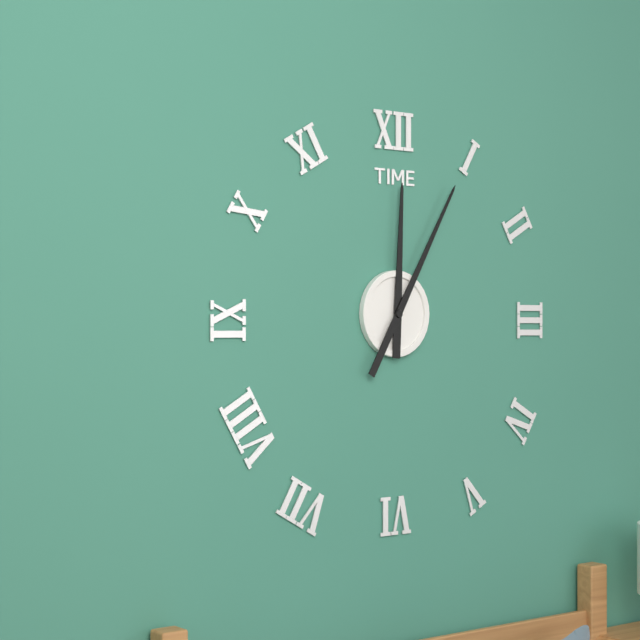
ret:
12:05
